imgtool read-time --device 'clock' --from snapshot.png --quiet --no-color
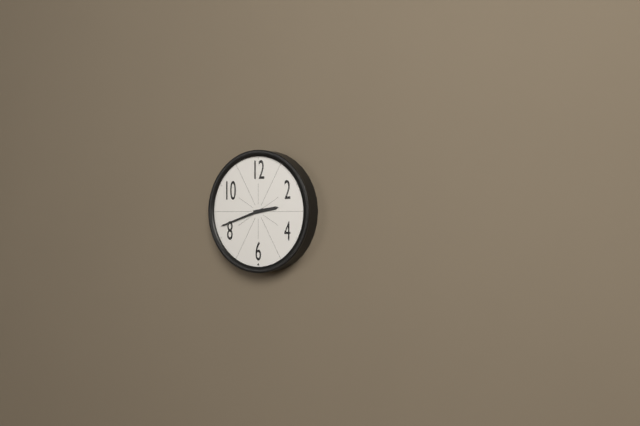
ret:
2:42
